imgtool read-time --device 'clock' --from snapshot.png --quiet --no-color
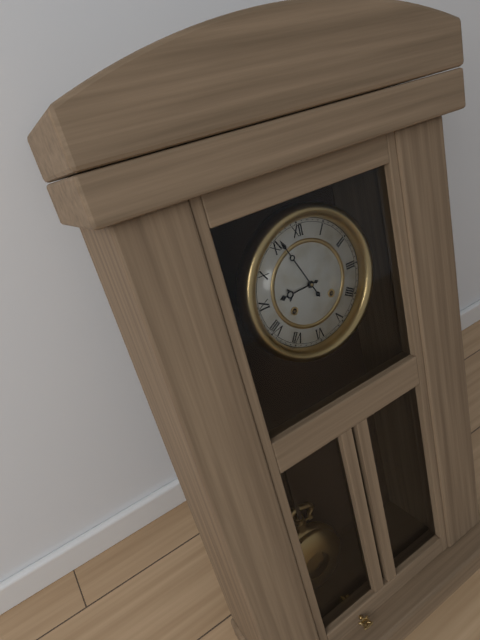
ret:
8:56
